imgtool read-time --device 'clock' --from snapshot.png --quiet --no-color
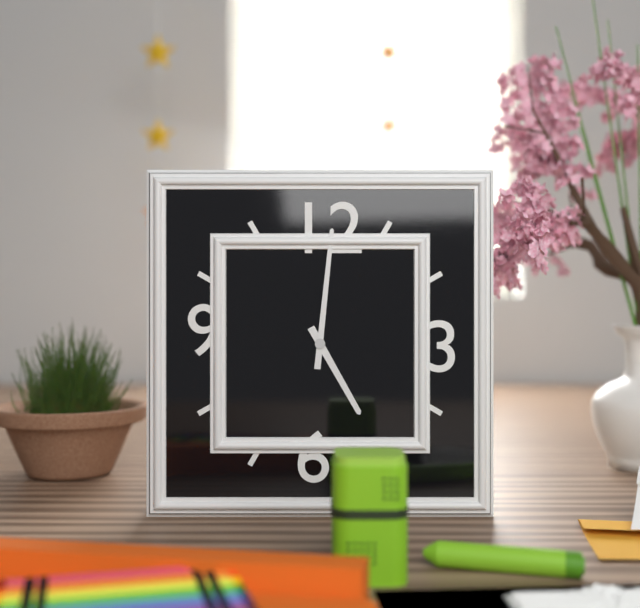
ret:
5:01
